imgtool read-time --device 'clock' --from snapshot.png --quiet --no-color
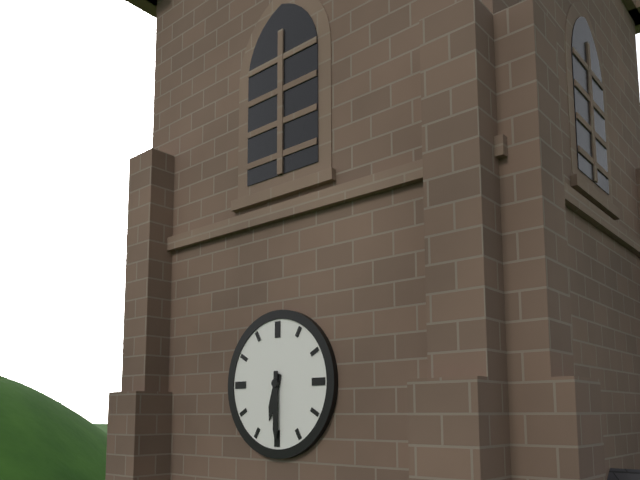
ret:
6:30
